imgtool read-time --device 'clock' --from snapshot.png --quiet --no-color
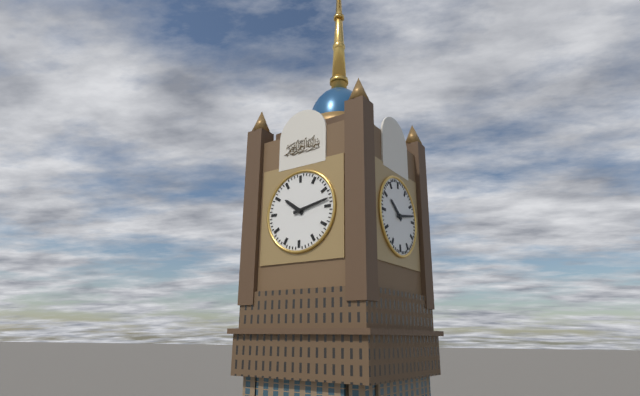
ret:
10:13
